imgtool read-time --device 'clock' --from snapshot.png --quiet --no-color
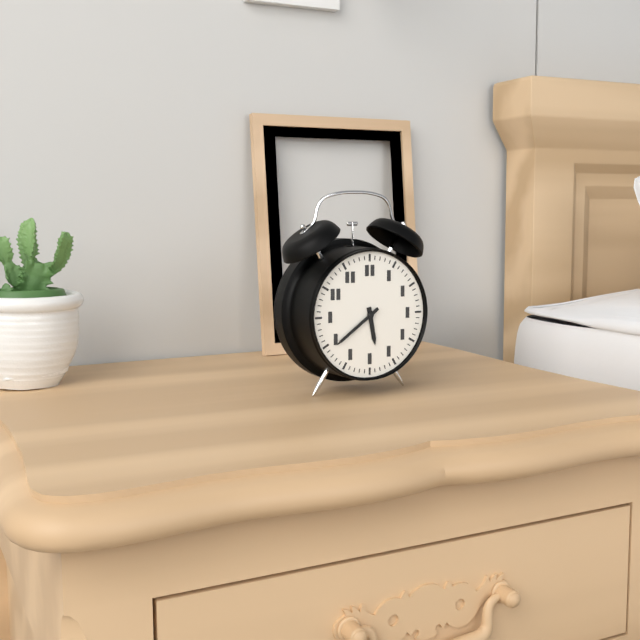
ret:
5:39
